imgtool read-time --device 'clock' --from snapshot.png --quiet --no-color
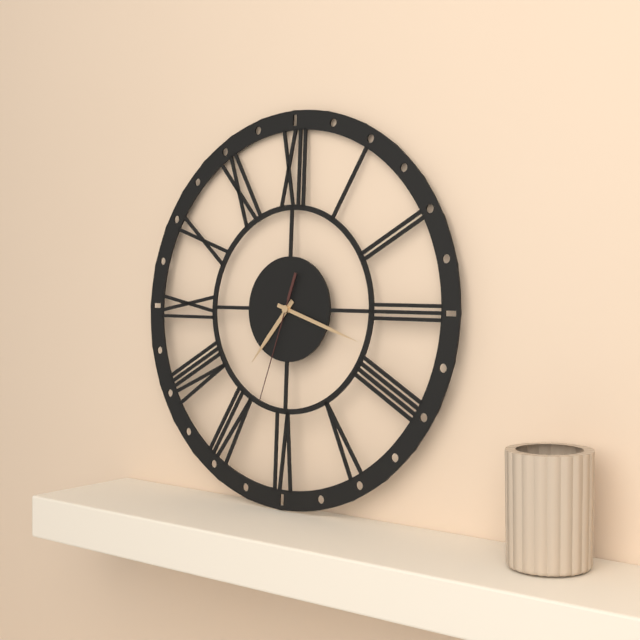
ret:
7:18:33
